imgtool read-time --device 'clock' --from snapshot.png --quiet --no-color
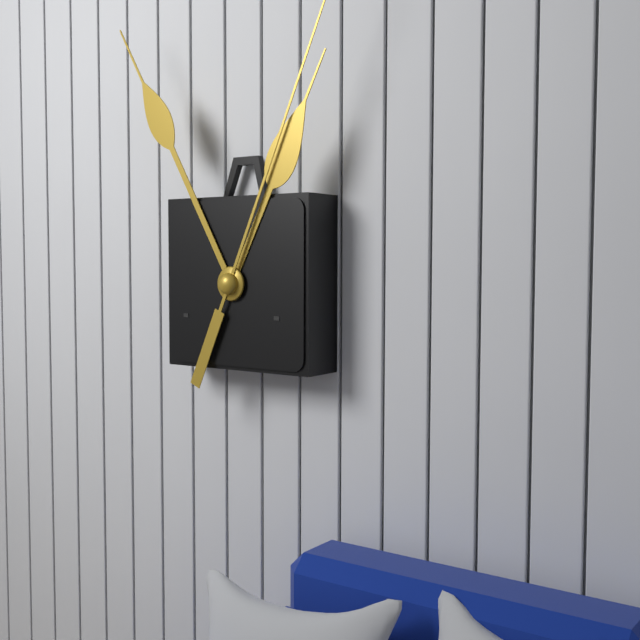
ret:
12:55
